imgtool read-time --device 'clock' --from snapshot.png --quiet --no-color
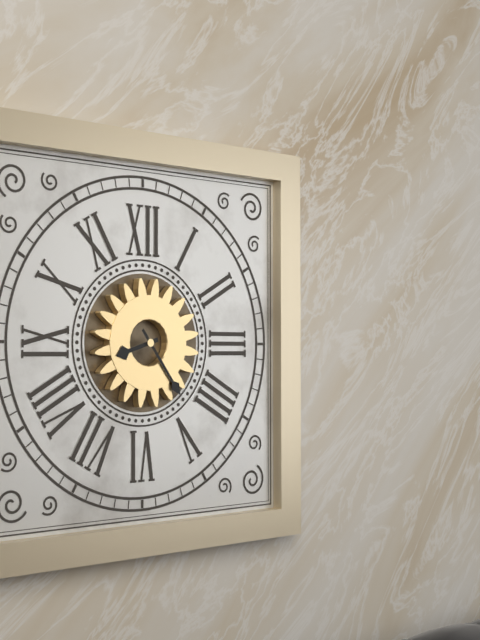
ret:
8:24
